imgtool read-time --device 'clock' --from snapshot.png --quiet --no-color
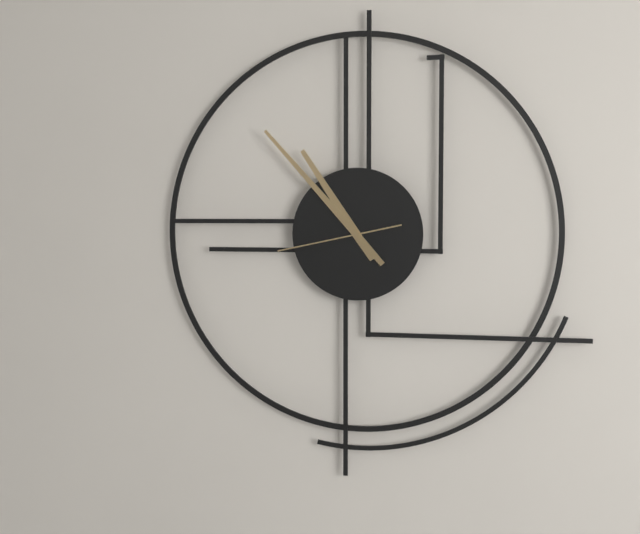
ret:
10:53:43
